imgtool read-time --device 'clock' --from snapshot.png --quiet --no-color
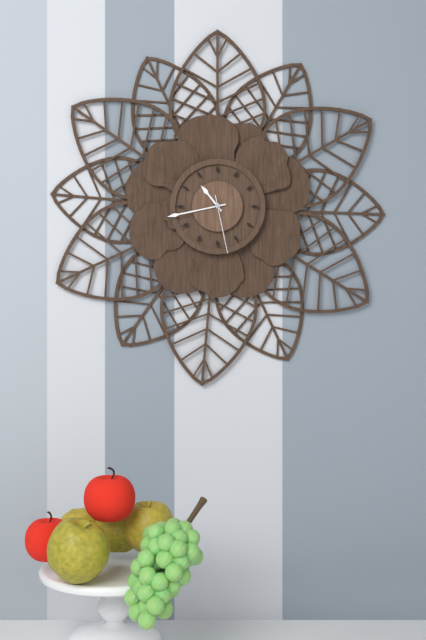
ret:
10:43:28
